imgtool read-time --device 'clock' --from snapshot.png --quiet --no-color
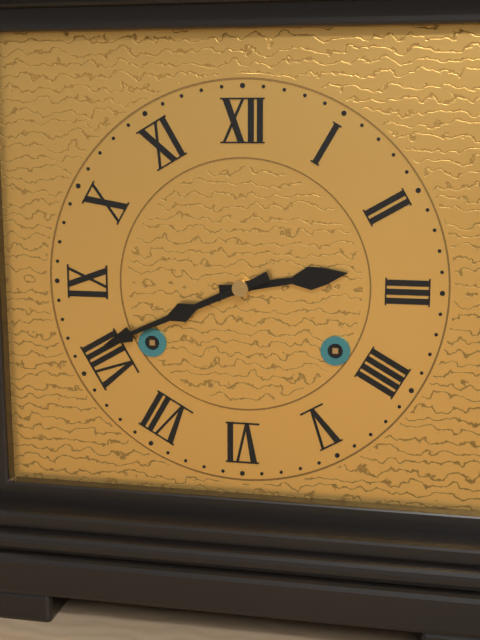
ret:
2:41
